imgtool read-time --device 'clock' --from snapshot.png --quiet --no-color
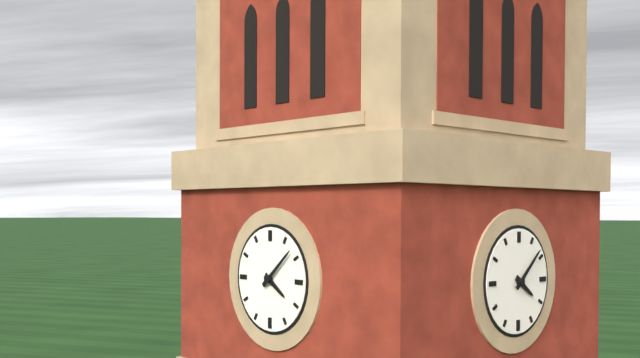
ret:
4:08
